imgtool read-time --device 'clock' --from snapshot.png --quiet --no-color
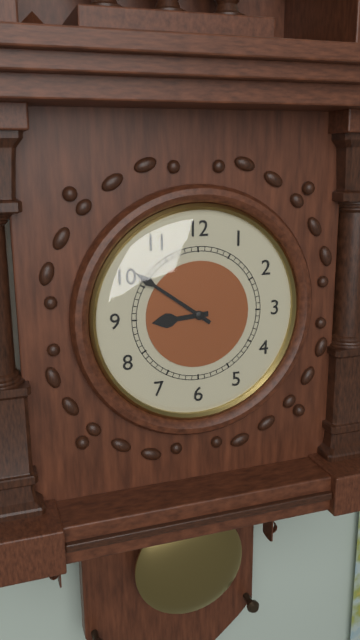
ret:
8:51
